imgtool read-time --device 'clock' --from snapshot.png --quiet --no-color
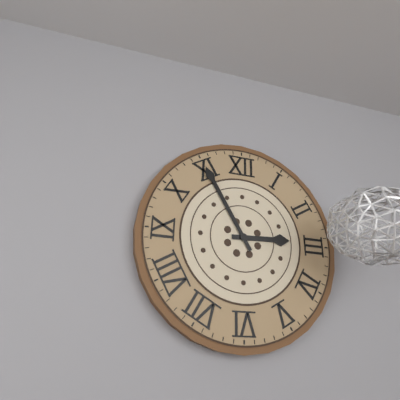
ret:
2:55
